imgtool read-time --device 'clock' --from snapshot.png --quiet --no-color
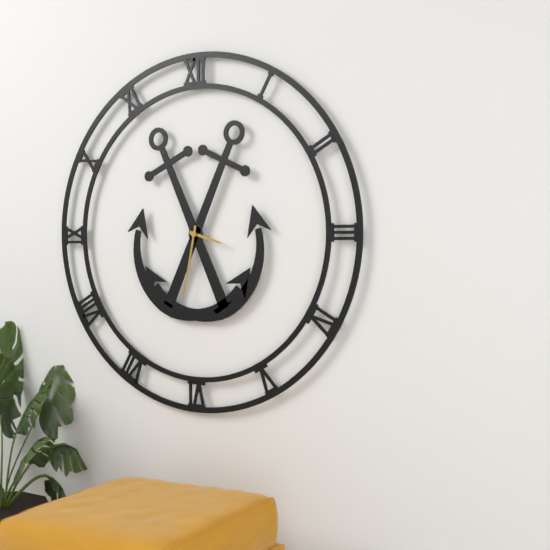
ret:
3:32
